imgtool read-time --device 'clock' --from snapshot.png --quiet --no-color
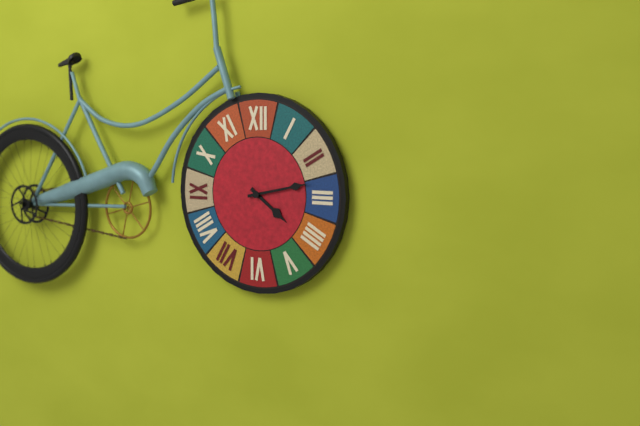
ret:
4:13
